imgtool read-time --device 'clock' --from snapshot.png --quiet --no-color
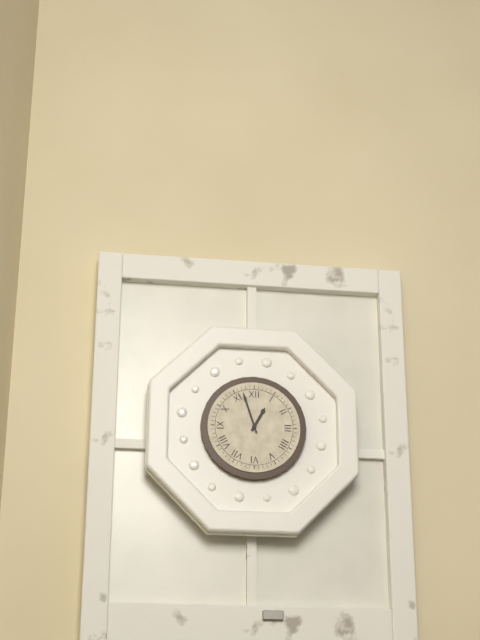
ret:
12:57
